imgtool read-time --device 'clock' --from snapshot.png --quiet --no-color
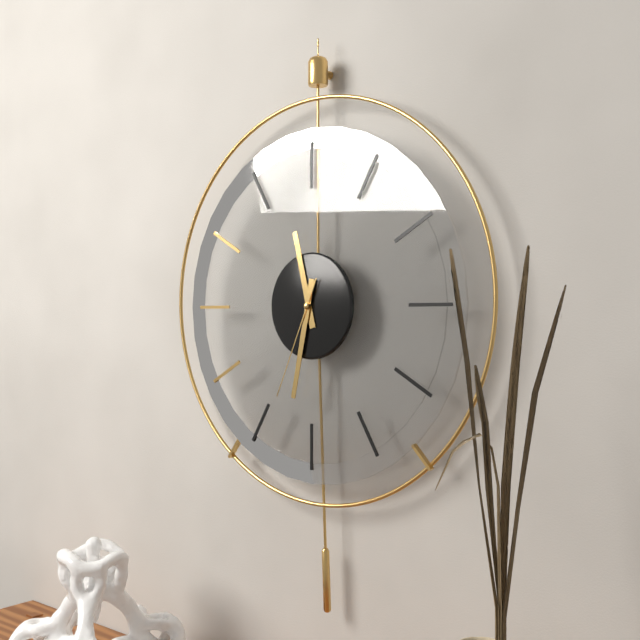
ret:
11:32:34
